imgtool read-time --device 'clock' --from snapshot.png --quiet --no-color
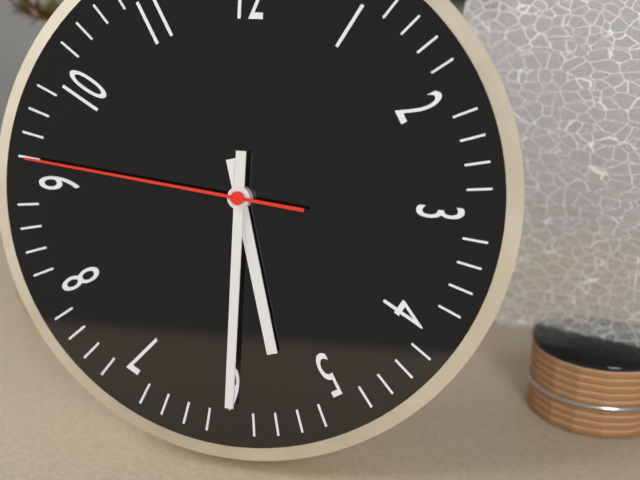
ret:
5:30:46
